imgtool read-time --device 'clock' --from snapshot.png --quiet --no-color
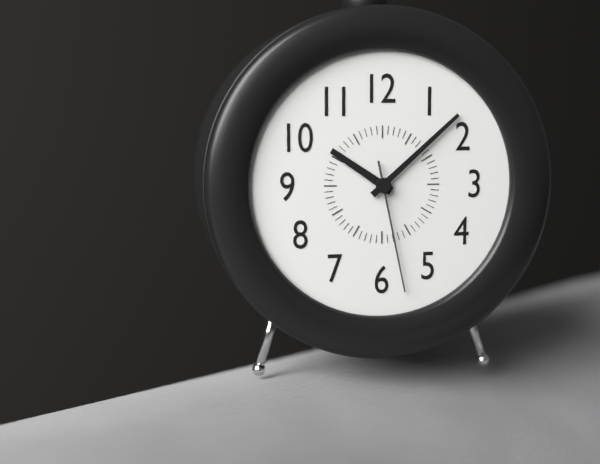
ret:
10:08:28
